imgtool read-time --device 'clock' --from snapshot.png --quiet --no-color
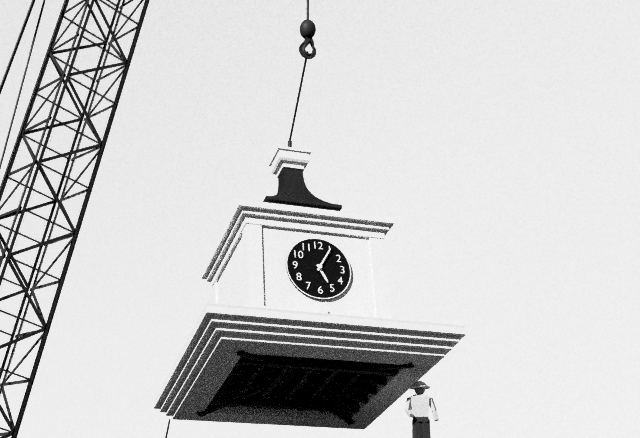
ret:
5:05
